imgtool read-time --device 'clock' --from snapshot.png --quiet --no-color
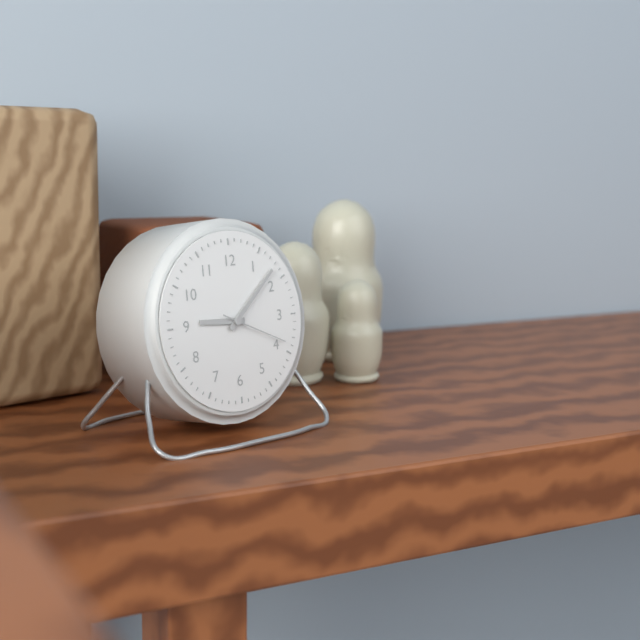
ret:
9:08:19
